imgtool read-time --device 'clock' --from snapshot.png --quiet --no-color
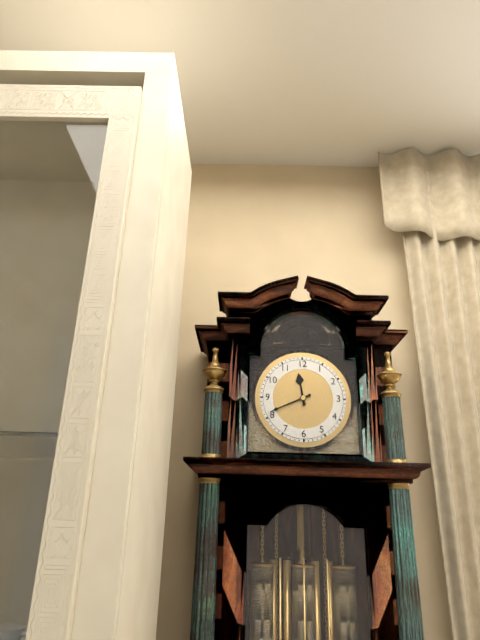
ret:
11:41
